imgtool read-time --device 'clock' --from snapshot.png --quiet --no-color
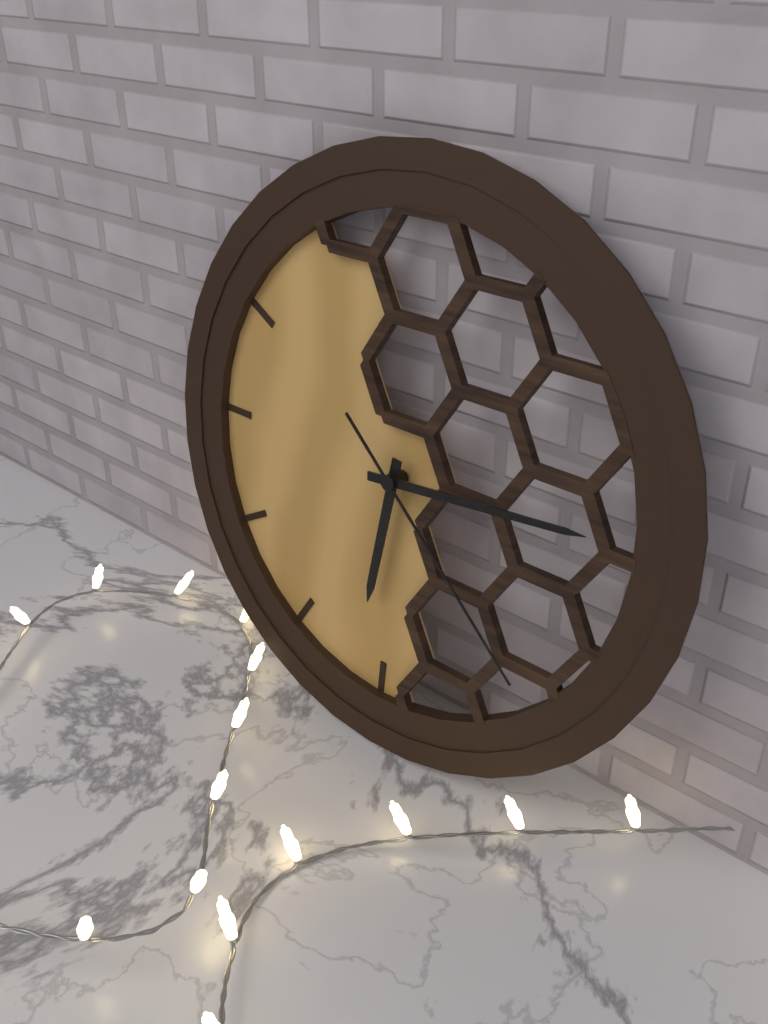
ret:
6:14:22
